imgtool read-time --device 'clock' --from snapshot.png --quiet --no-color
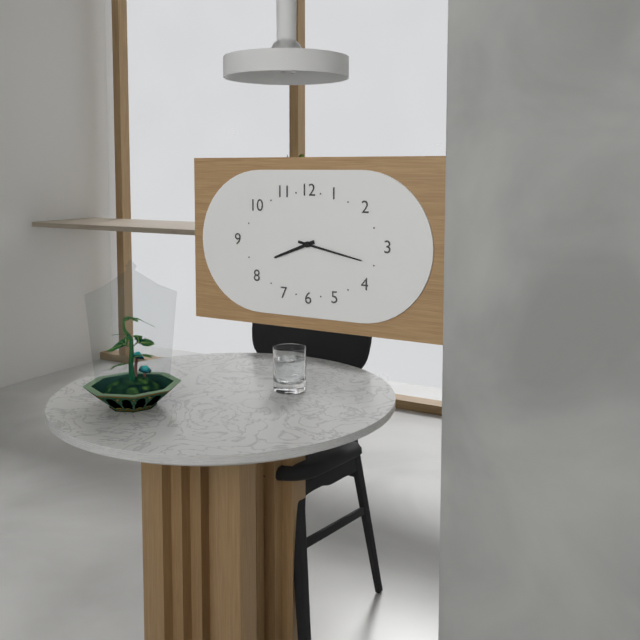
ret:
8:17
